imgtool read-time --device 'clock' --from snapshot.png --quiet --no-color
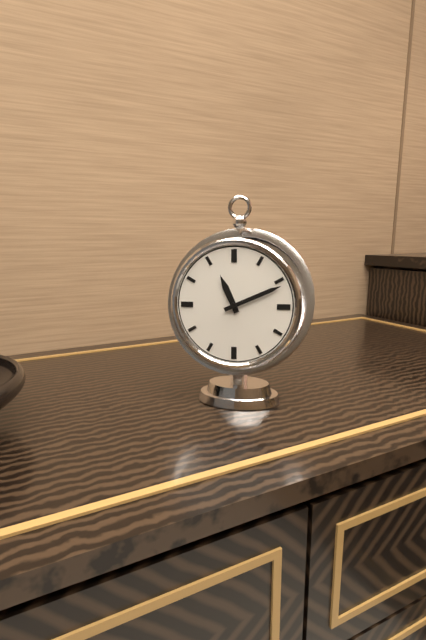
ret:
11:11
